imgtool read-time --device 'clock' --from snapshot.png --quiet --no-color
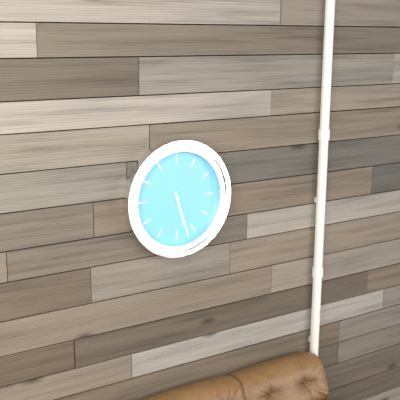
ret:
5:27
